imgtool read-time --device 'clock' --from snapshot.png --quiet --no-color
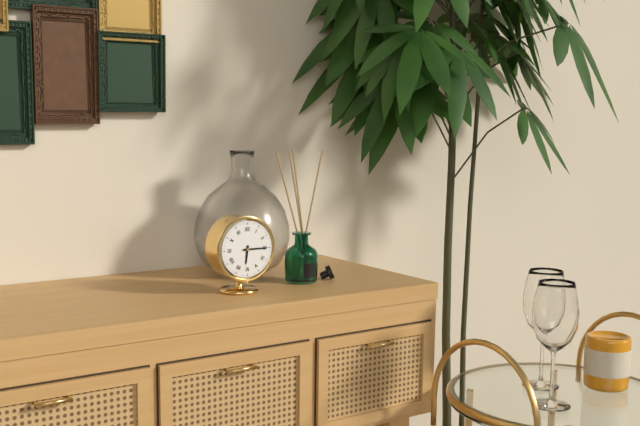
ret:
6:15
